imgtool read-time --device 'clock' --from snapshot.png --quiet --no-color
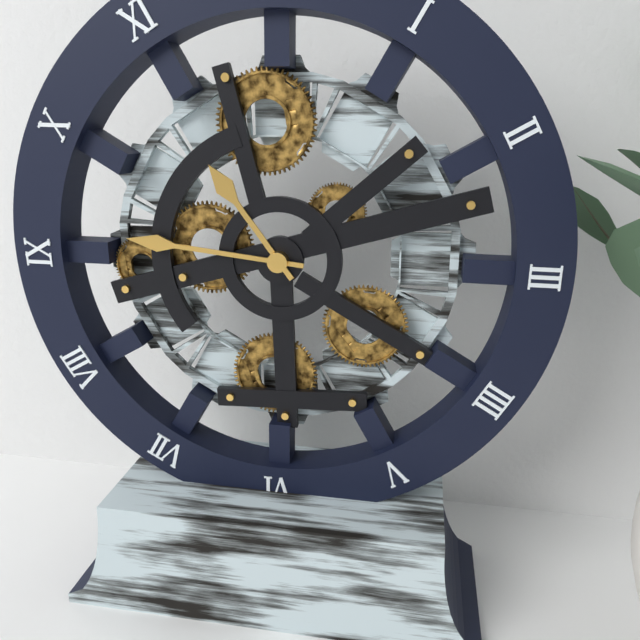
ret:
10:46
